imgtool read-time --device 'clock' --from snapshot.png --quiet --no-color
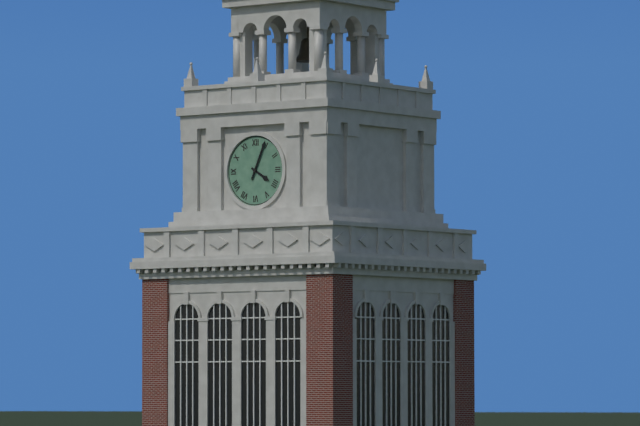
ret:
4:04
